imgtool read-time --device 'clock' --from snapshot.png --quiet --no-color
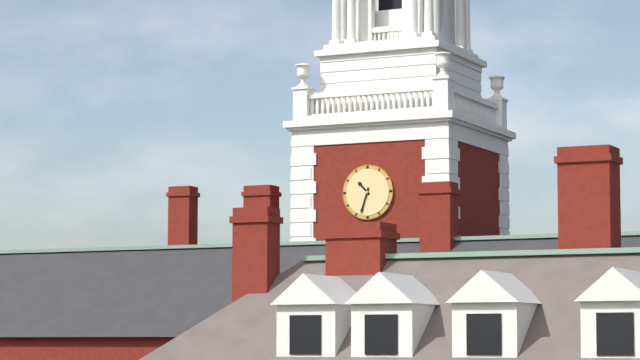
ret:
10:33
